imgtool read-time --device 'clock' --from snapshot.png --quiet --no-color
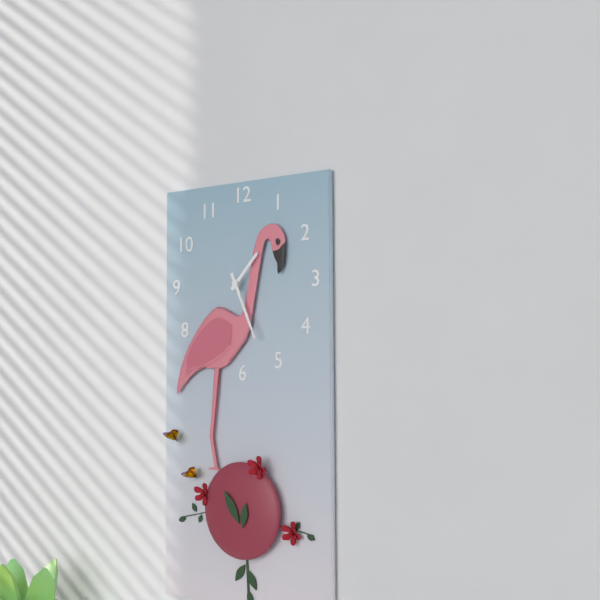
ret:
1:26
